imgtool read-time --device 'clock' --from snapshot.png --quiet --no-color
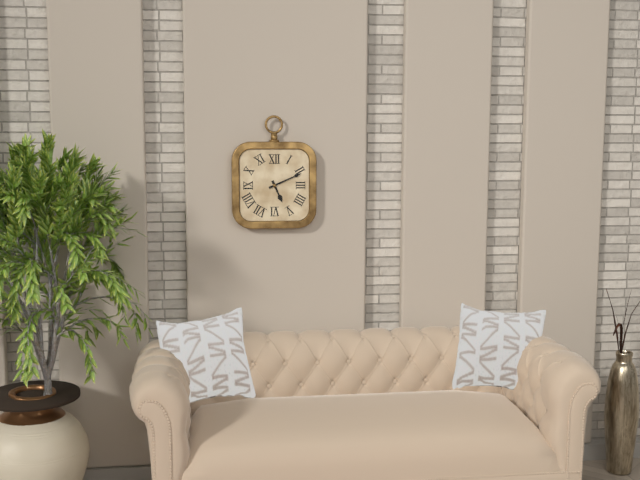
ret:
5:11
